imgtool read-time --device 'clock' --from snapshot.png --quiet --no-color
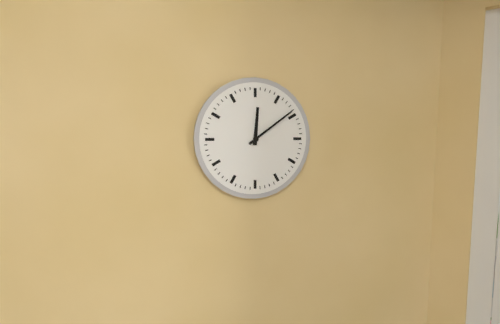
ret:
12:09
